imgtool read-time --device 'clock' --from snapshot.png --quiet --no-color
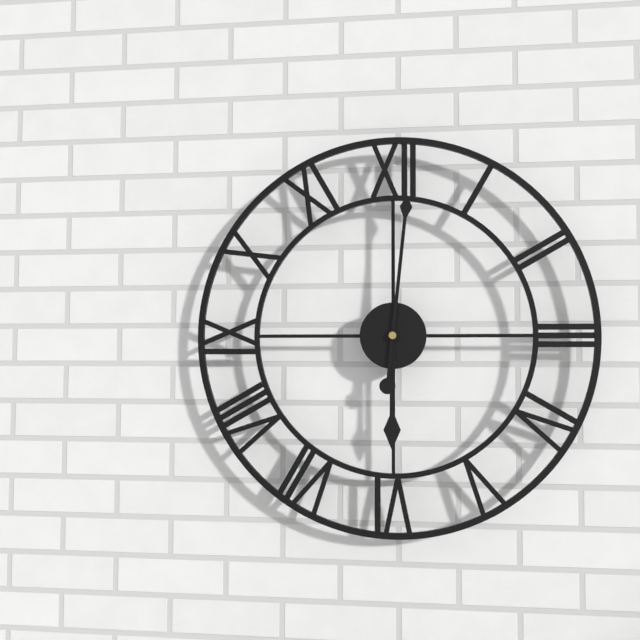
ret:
6:01
